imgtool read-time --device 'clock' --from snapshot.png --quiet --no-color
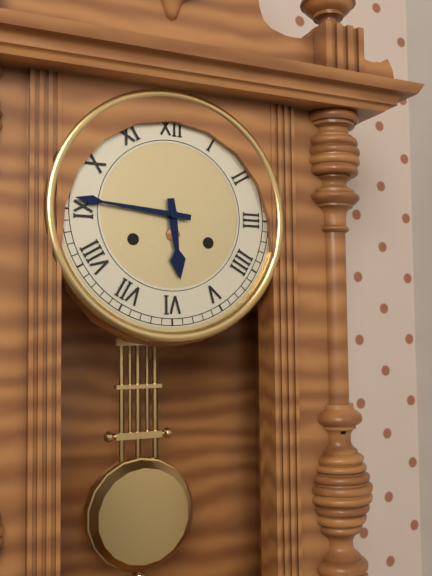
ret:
5:46
